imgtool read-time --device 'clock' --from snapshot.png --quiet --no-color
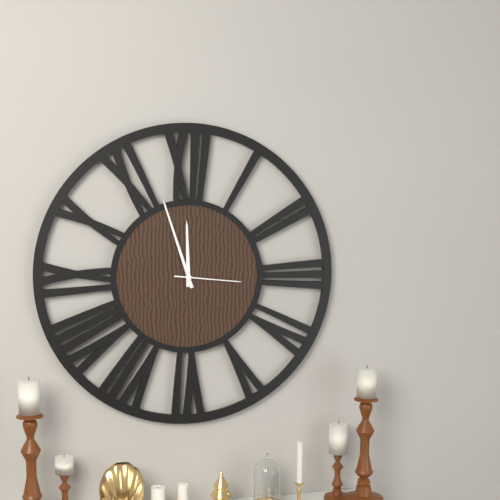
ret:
11:57:16
